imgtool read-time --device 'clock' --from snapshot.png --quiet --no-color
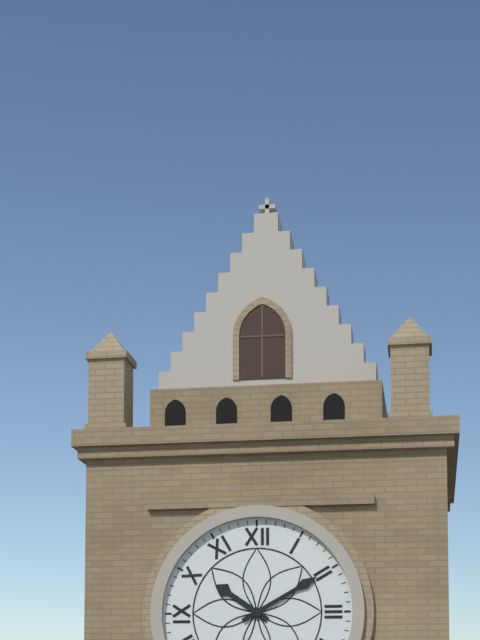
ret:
10:10
